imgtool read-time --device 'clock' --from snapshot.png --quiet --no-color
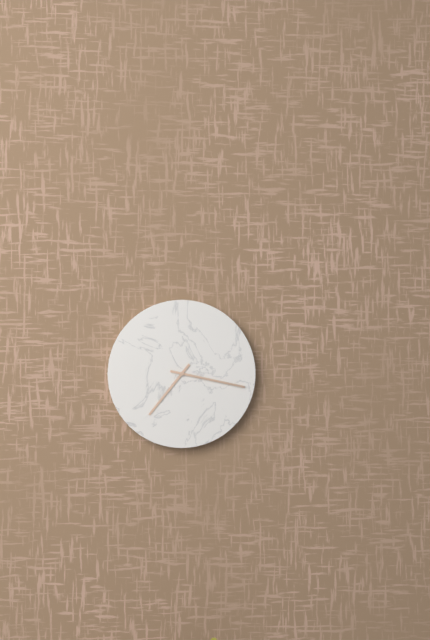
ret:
7:17
